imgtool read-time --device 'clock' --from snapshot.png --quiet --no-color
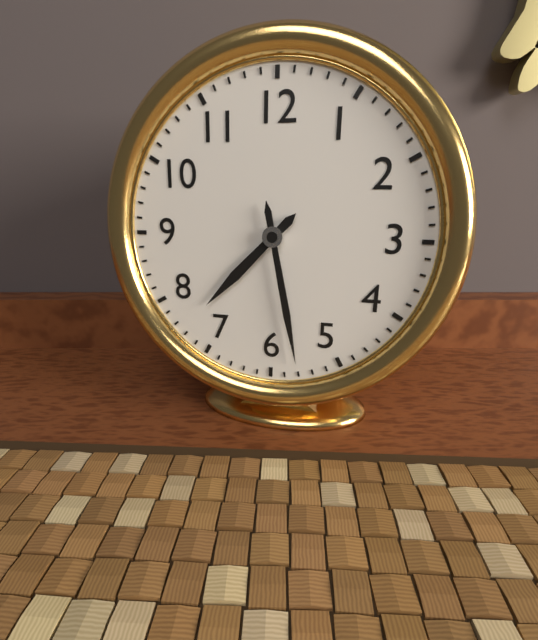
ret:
7:28
